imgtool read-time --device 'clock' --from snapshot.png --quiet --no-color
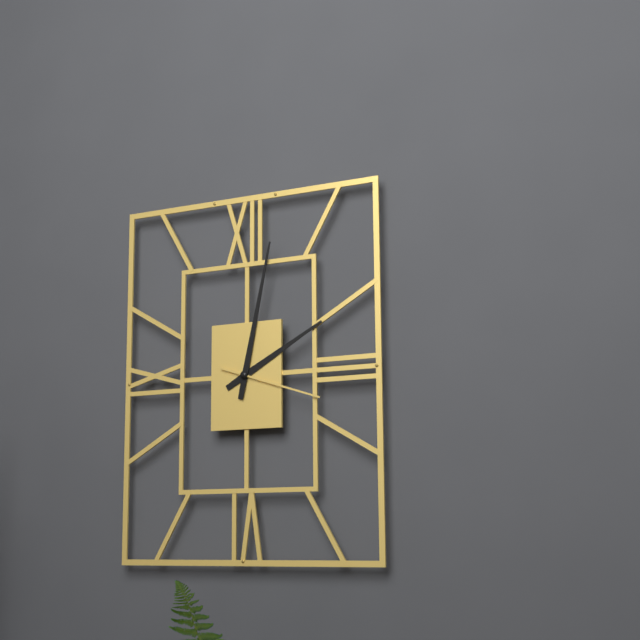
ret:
2:02:18
